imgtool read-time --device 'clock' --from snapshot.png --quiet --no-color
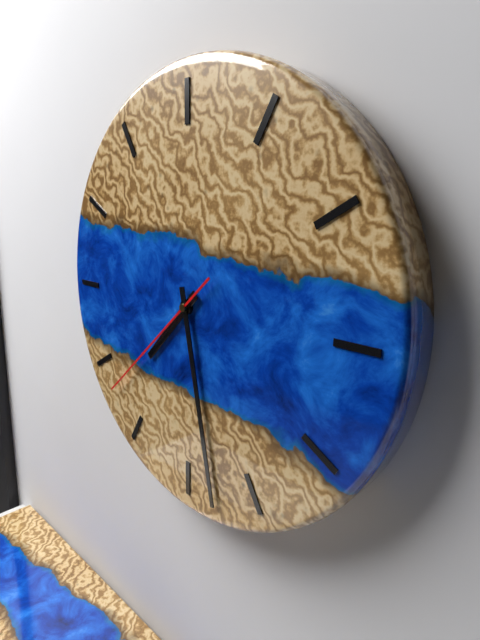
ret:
7:28:38
